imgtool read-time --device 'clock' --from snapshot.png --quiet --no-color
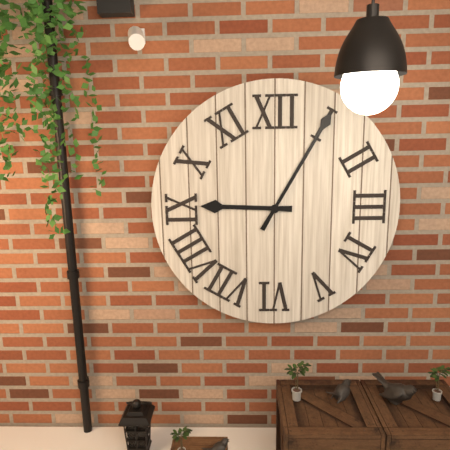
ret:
9:05
